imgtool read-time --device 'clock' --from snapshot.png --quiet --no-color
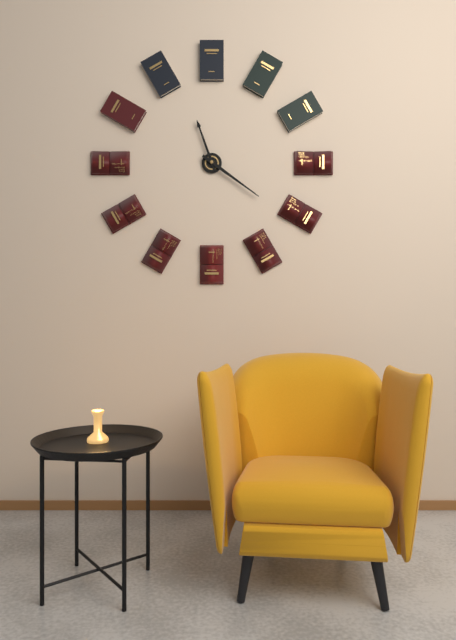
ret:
11:21
